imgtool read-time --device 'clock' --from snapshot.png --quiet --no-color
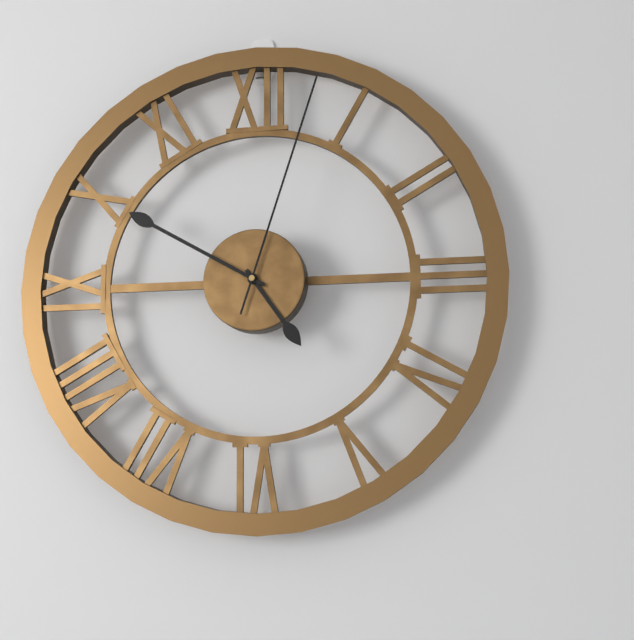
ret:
4:50:03
